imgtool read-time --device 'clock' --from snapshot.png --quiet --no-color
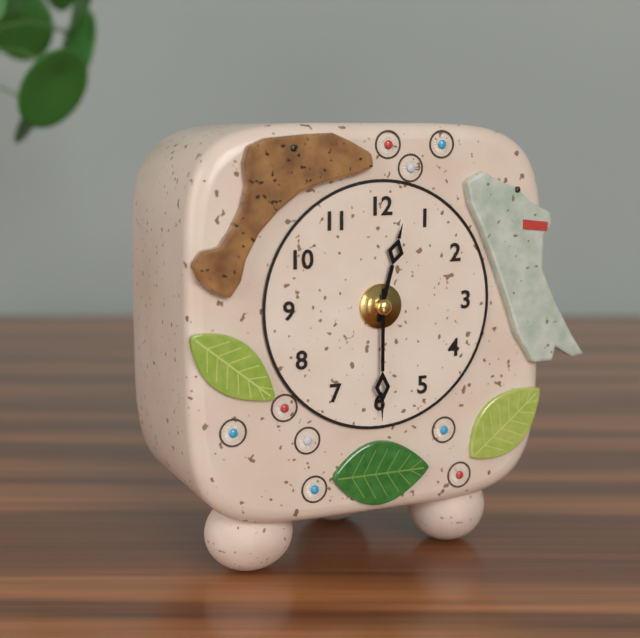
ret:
12:30
